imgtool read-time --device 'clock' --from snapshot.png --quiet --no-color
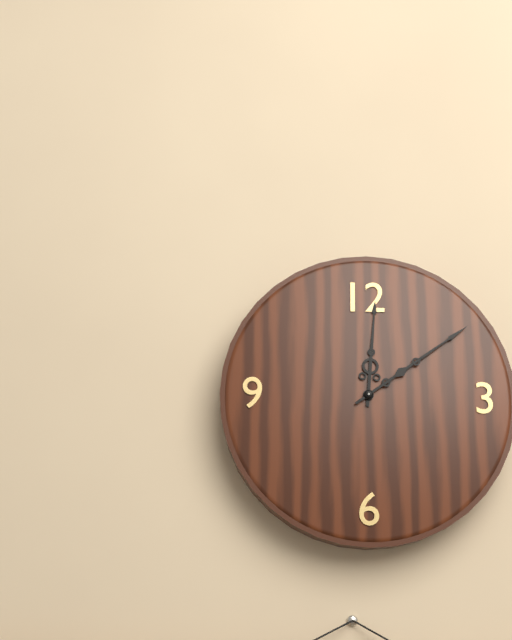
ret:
12:09
